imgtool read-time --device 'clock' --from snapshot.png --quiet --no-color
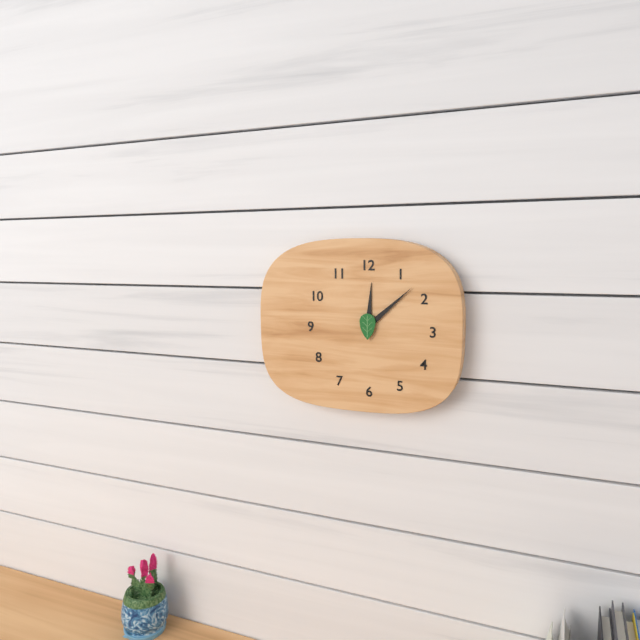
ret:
12:08
